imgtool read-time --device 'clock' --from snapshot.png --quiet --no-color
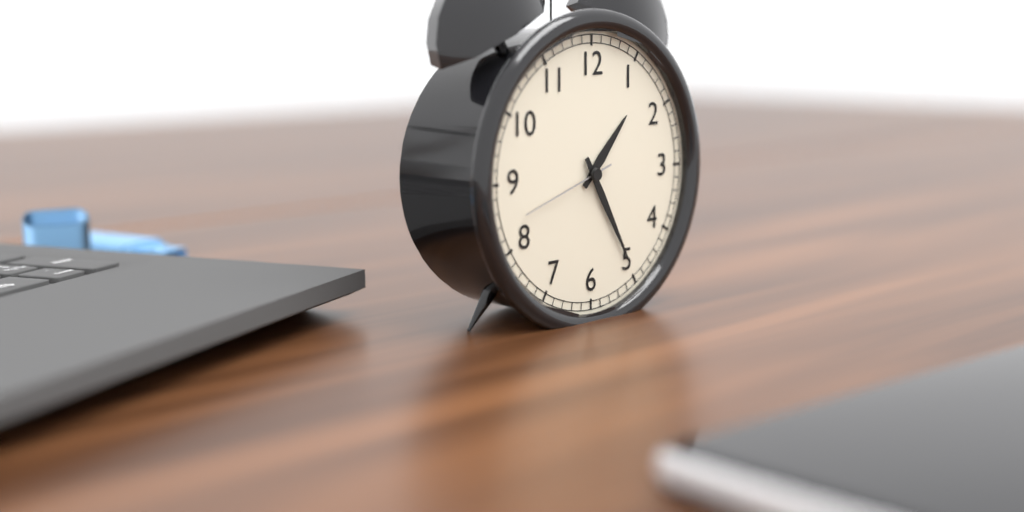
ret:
1:25:42
